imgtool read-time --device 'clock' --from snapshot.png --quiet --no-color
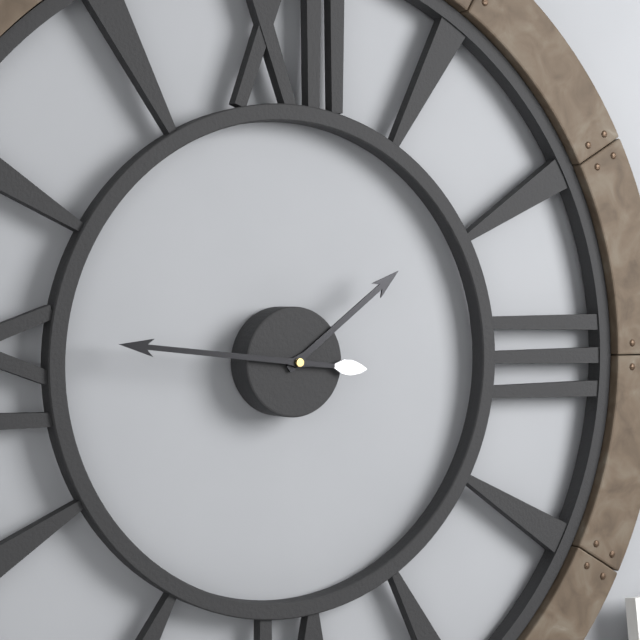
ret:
1:46
